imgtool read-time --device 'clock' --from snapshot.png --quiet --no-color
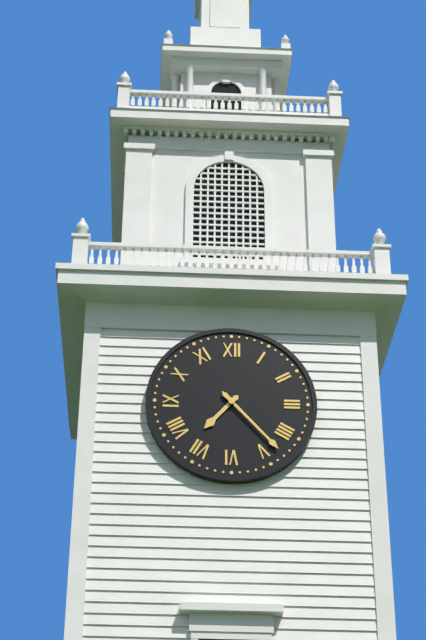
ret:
7:23
